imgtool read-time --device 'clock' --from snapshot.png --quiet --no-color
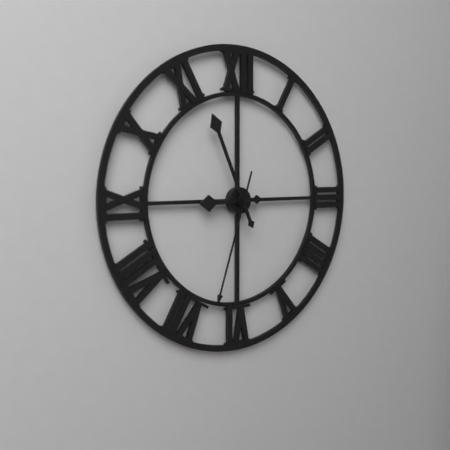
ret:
8:56:33
